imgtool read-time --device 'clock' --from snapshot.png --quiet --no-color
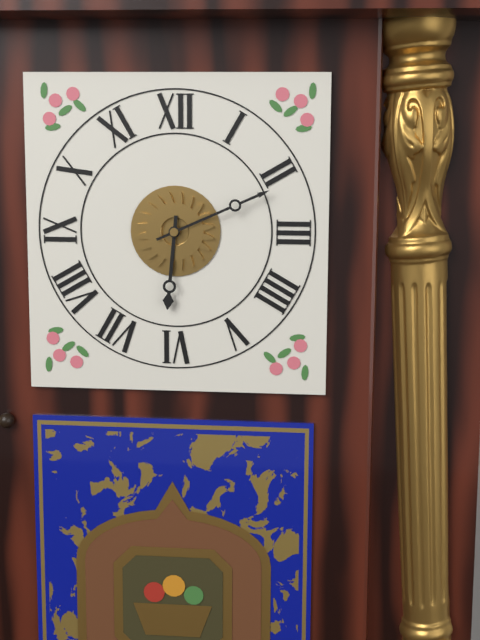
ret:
6:11
